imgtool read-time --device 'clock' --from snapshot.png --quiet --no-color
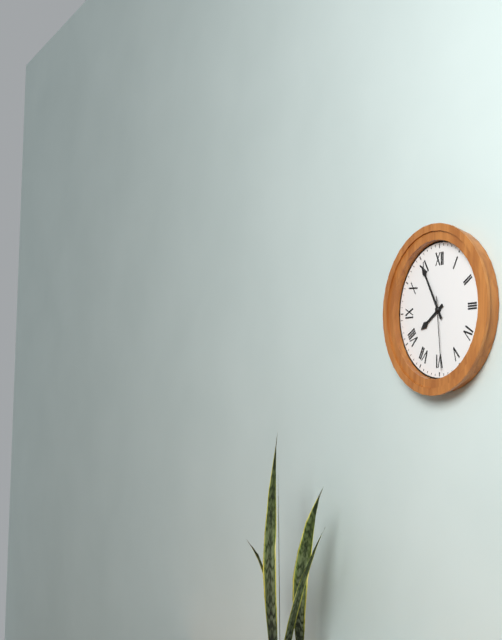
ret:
7:55:29
